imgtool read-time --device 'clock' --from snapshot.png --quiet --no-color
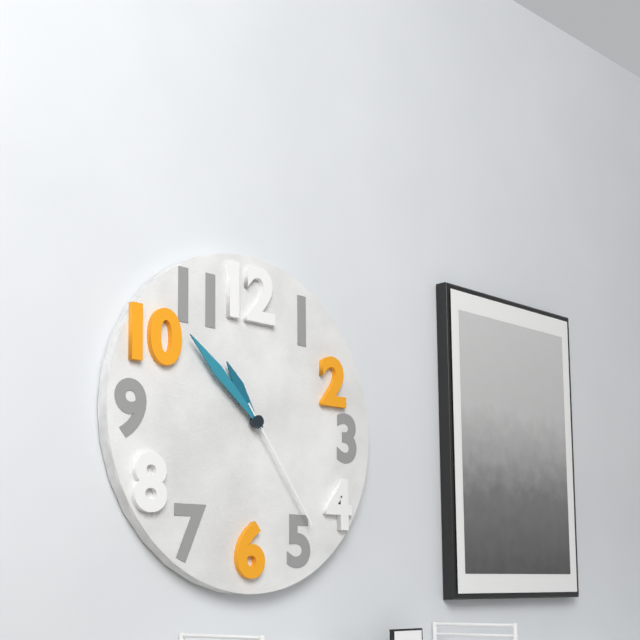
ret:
10:52:24
